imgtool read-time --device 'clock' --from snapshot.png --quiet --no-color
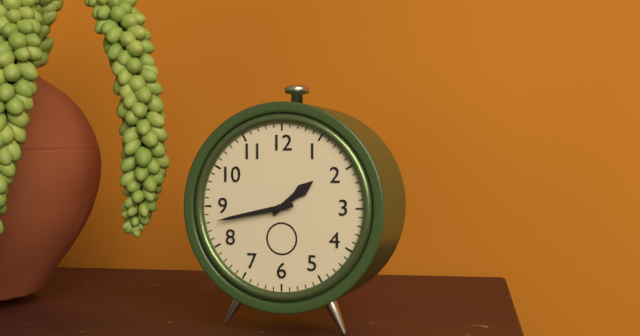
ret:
1:43
